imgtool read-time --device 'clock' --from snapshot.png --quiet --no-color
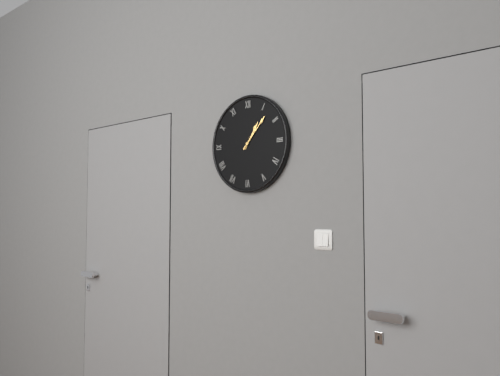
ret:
1:07
